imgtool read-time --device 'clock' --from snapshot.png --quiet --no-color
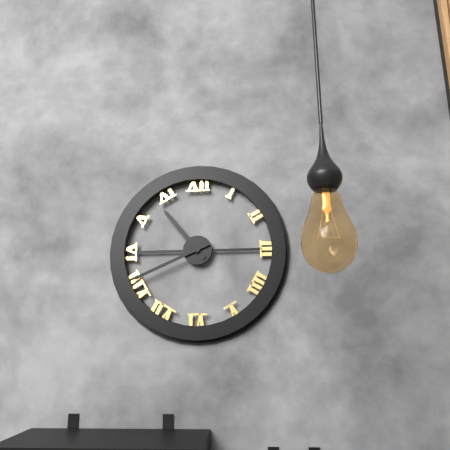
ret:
10:41
